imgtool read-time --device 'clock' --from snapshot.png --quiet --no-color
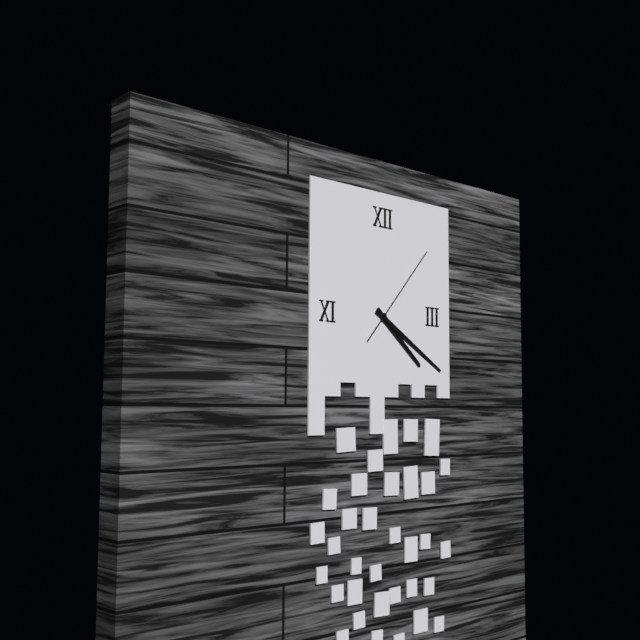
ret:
4:20:07
